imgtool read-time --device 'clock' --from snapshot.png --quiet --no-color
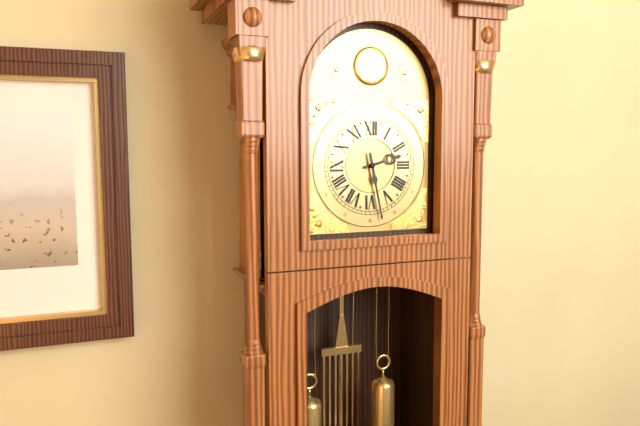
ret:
2:28
